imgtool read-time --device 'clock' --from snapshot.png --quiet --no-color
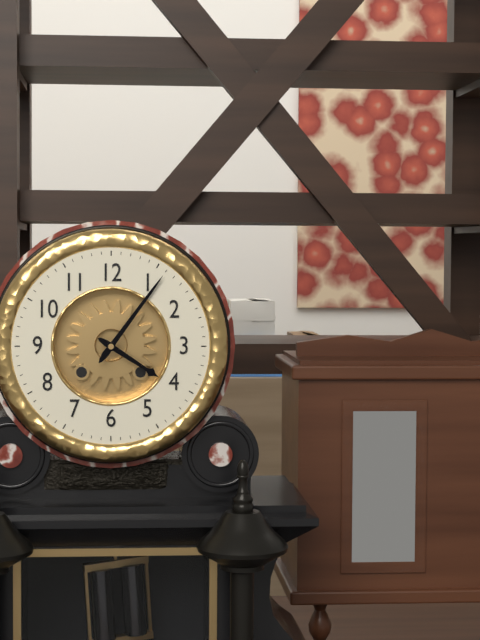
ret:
4:06
